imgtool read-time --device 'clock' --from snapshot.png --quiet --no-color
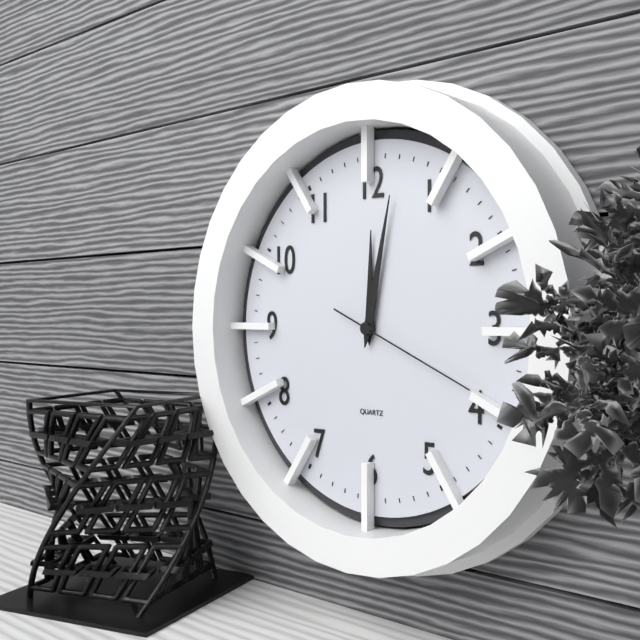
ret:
12:02:19
